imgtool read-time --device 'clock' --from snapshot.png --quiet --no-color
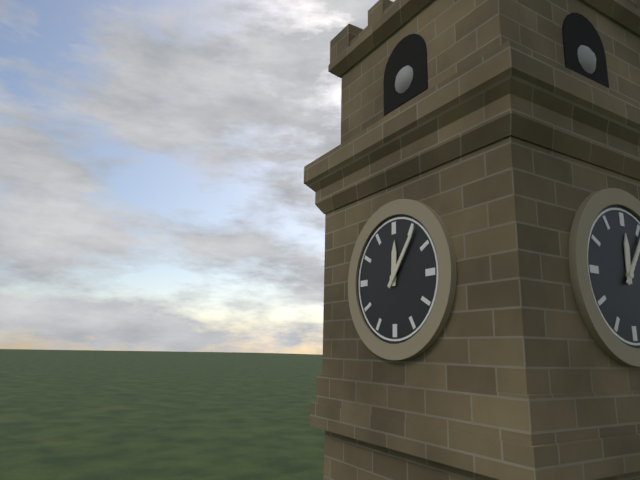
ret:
12:06
